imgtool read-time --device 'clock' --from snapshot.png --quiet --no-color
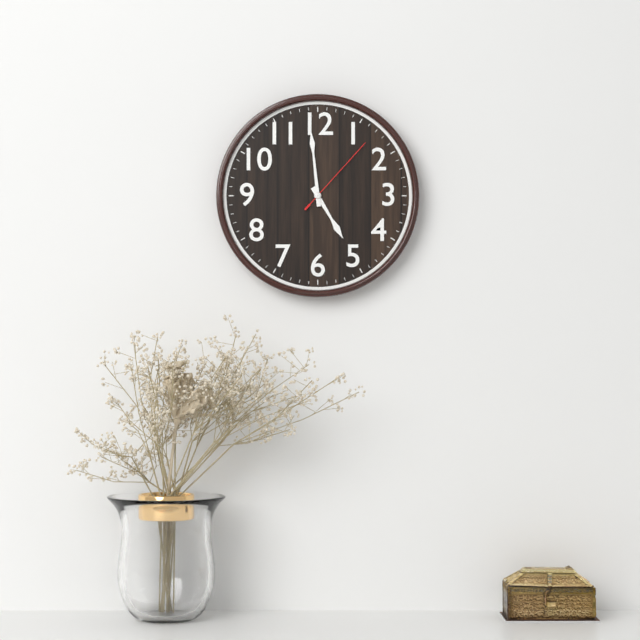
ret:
4:59:07
